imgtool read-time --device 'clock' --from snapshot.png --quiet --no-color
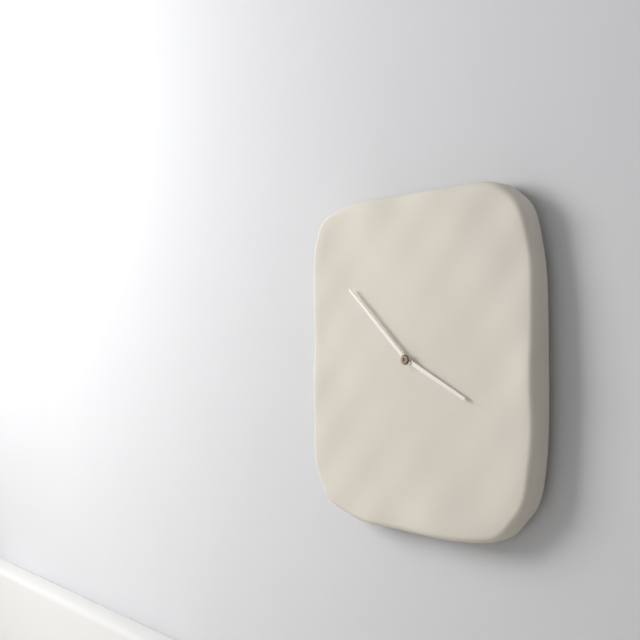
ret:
3:52
